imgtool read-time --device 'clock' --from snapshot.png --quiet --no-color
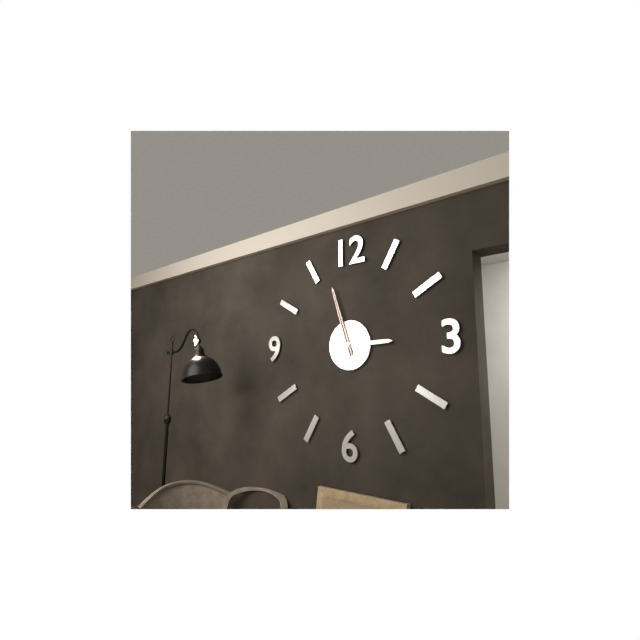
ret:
2:57:57
